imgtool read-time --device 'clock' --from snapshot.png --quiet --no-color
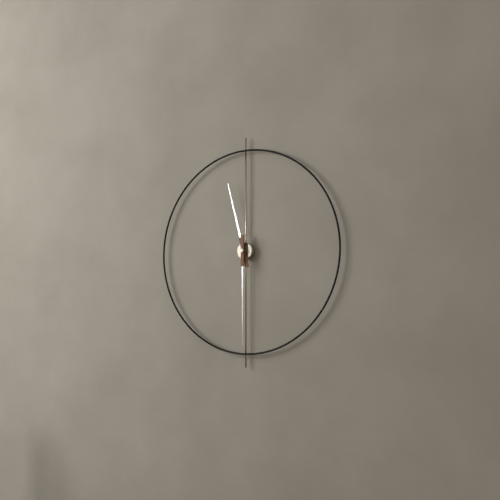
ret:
11:30
